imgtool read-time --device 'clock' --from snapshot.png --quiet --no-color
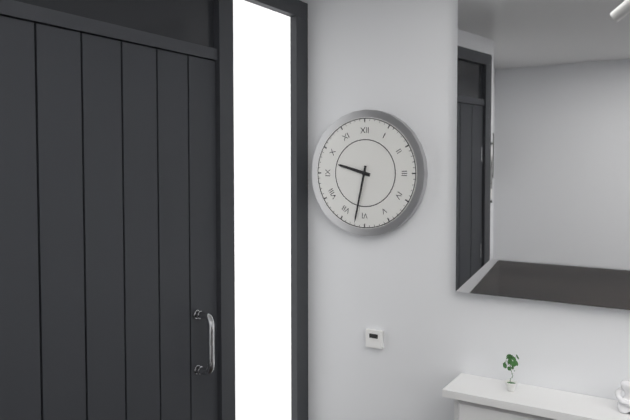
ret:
9:32
